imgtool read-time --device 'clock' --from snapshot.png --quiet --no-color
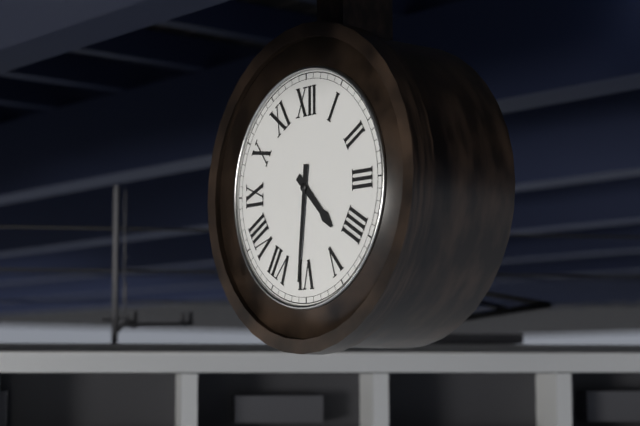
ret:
4:31
